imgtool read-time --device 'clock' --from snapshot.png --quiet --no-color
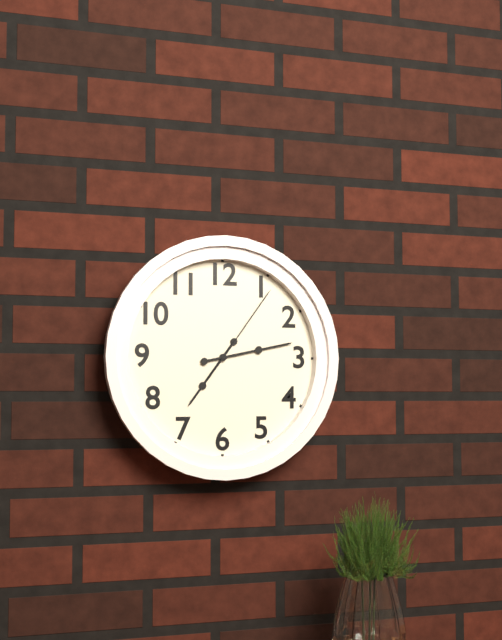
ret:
7:13:06
